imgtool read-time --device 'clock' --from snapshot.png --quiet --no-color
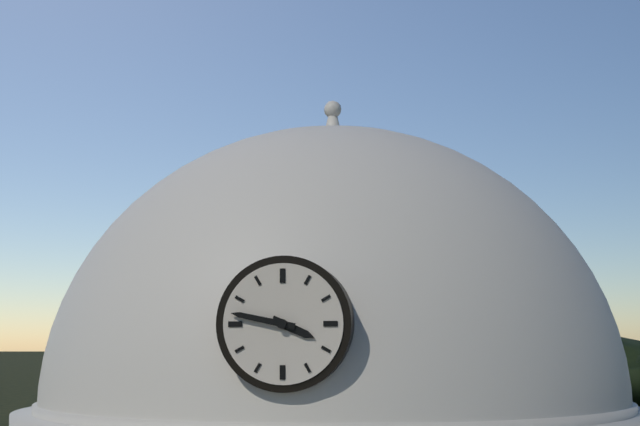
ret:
3:47
